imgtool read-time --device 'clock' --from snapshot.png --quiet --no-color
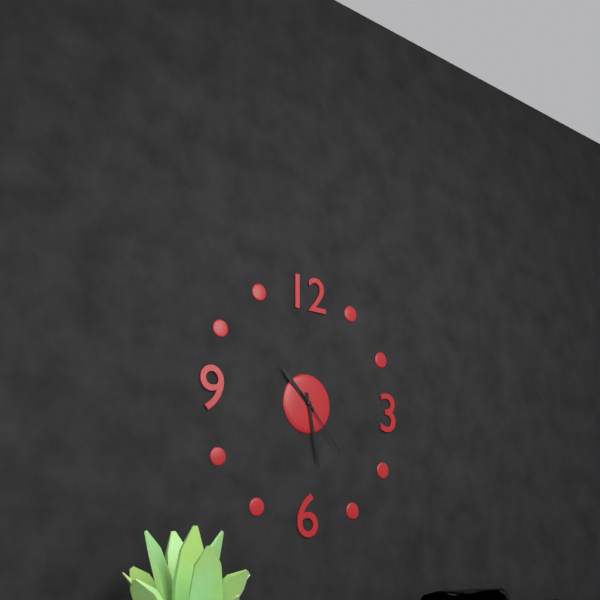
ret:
10:28:23
